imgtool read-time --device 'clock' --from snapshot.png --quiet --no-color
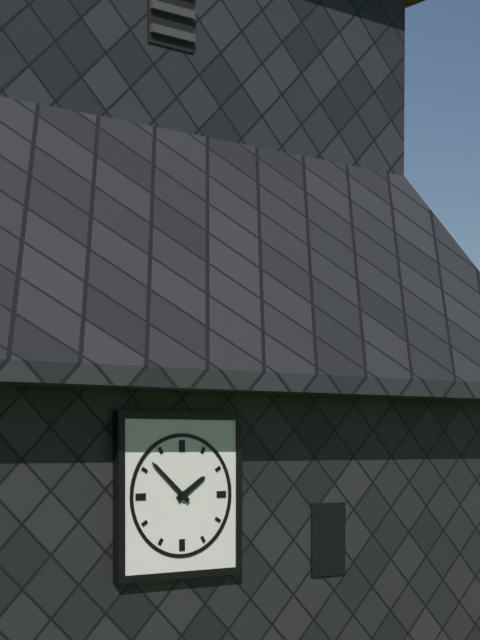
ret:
1:52
